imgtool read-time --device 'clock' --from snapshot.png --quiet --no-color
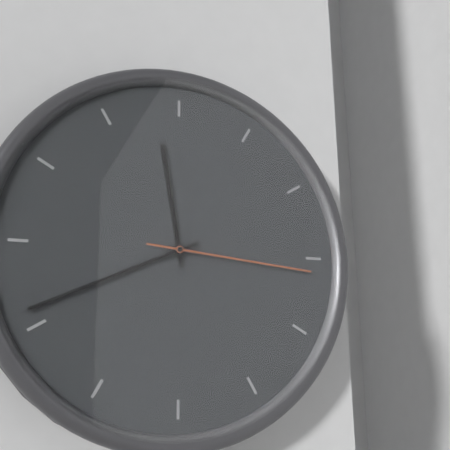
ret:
11:41:16
